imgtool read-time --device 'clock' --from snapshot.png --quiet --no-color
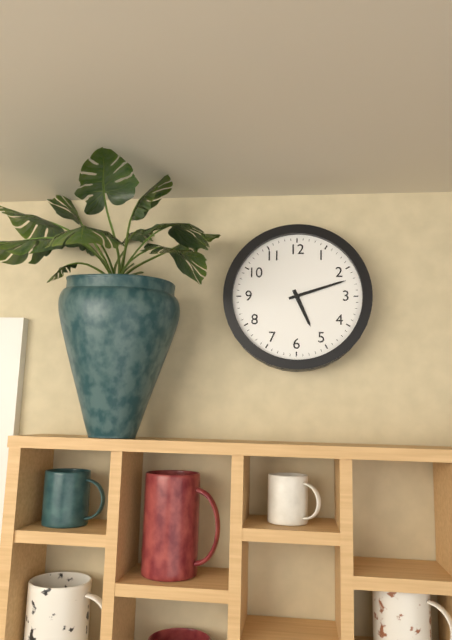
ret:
5:12
